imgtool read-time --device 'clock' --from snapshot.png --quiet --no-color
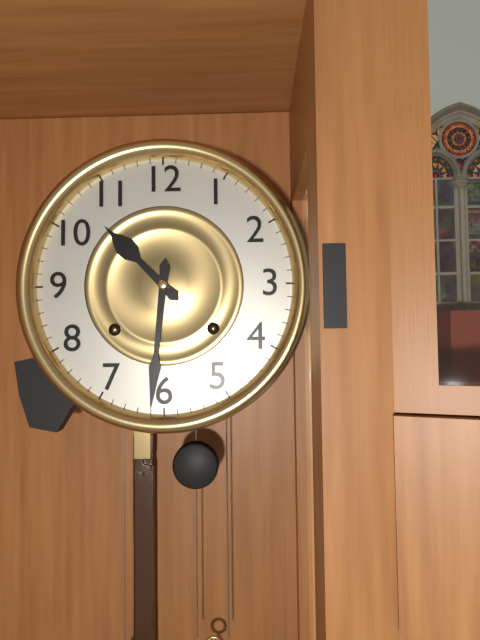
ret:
10:31
